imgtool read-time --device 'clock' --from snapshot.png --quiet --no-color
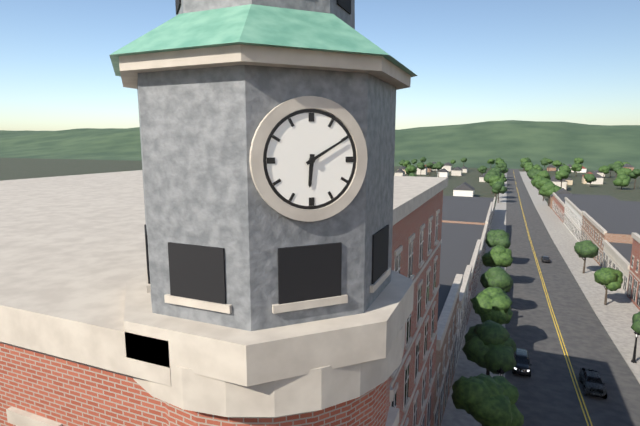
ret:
6:10
